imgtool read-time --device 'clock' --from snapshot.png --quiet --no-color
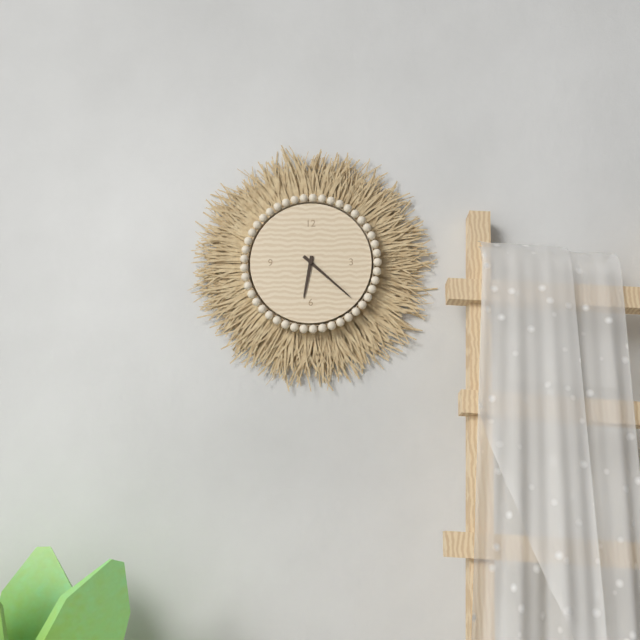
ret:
6:22
